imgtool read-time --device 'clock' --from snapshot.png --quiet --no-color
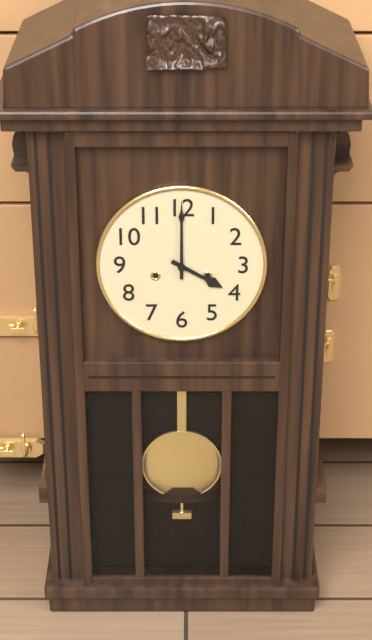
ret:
4:00
